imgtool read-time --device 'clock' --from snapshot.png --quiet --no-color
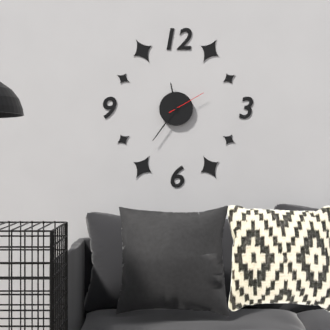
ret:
11:36
